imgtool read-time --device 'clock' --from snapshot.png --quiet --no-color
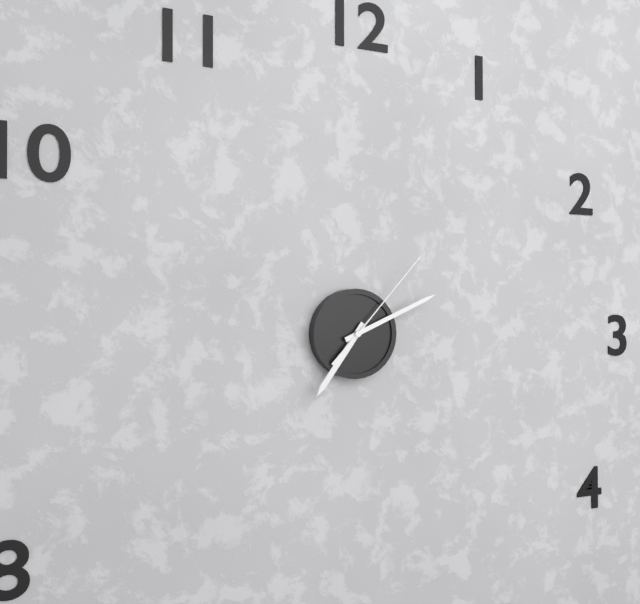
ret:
7:11:07
